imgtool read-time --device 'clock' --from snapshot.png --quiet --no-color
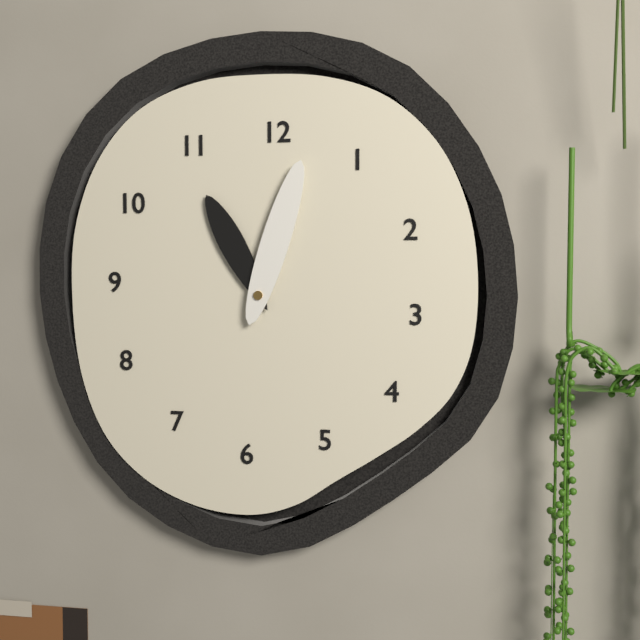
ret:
11:03
